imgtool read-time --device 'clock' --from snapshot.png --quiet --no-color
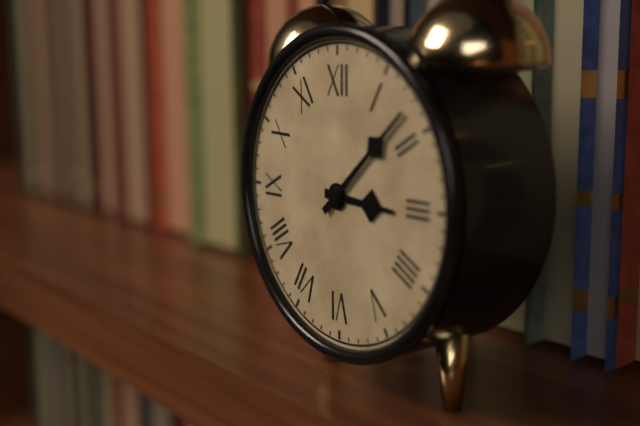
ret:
3:08
